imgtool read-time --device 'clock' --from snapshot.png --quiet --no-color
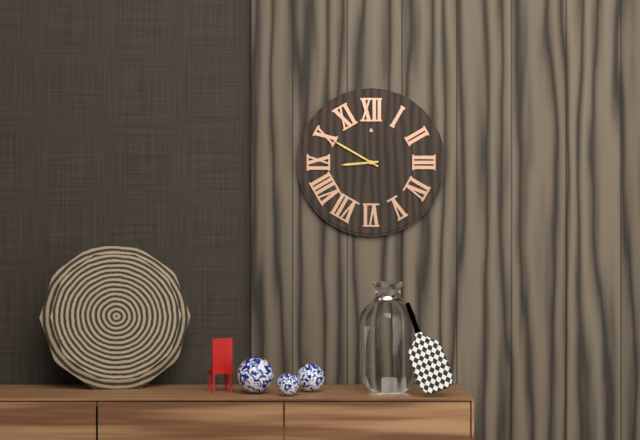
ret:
8:50
